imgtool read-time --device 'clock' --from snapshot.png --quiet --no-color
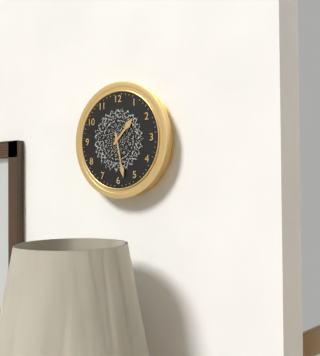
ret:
1:28
